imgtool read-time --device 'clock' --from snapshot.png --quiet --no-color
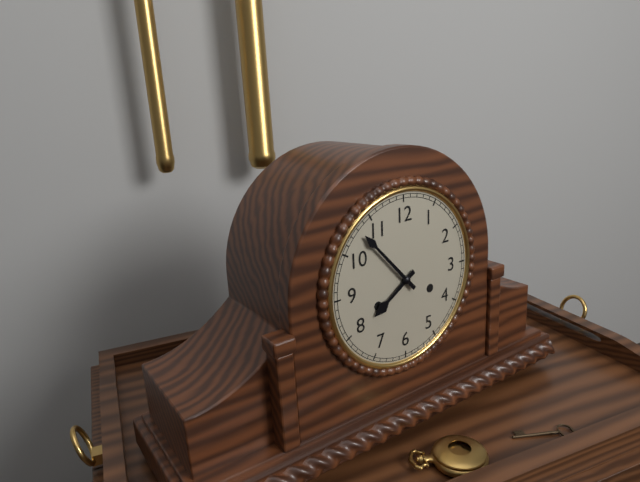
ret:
7:53
